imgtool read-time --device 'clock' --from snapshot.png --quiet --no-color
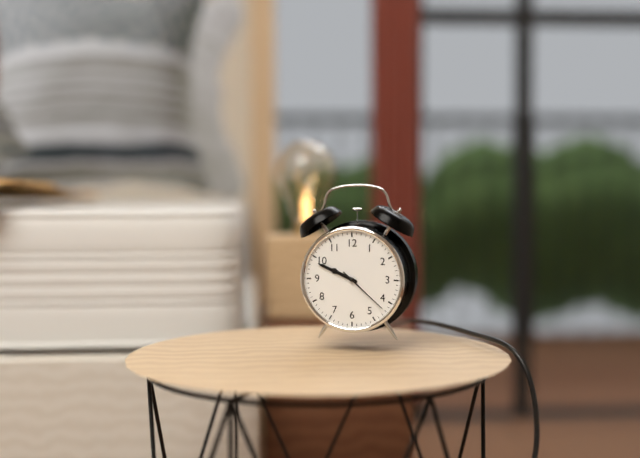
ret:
9:49:22
